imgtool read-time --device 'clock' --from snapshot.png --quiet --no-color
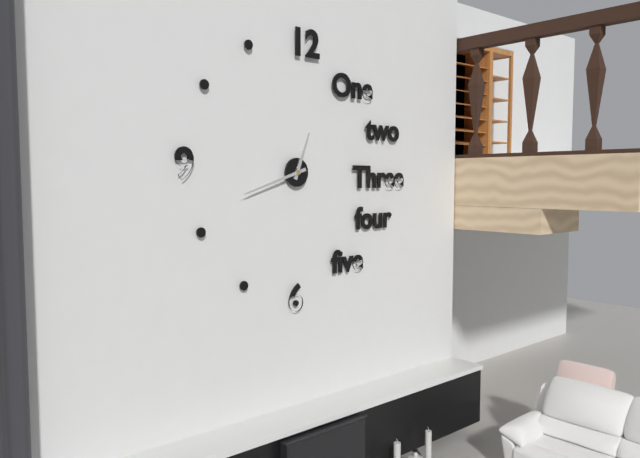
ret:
12:42
